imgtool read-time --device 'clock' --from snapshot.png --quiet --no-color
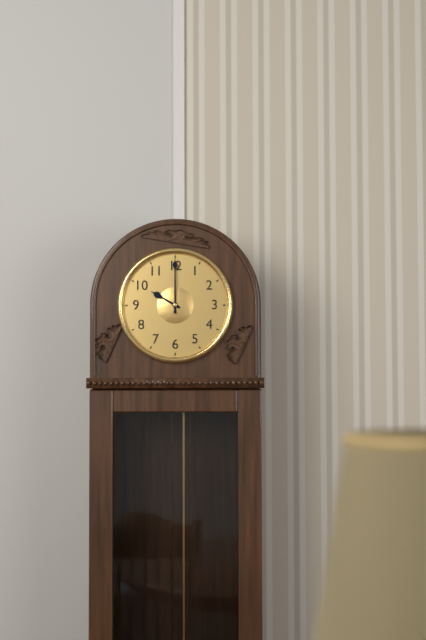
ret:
10:00
